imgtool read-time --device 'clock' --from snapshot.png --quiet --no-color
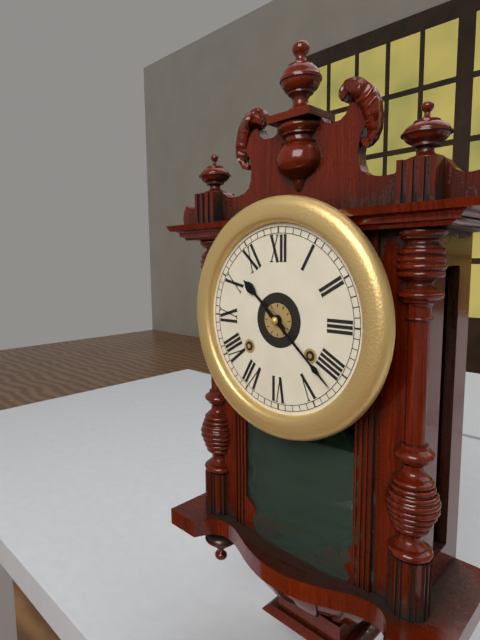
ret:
10:22
